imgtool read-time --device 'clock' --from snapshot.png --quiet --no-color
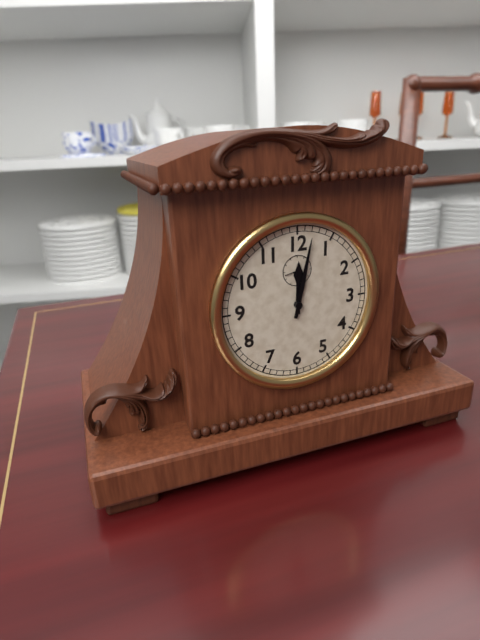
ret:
12:02
